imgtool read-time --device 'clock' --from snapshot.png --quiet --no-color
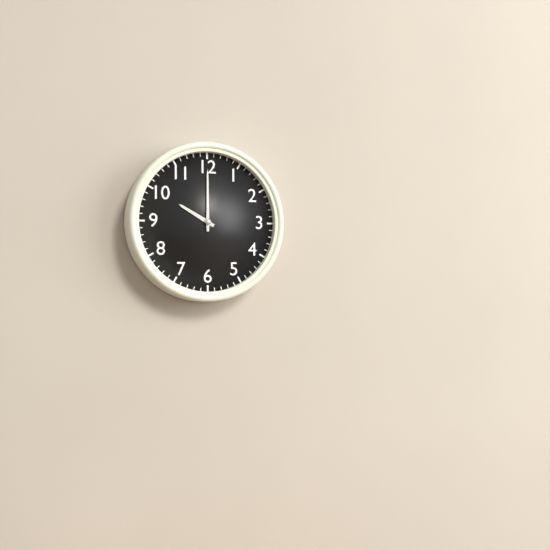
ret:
10:00
